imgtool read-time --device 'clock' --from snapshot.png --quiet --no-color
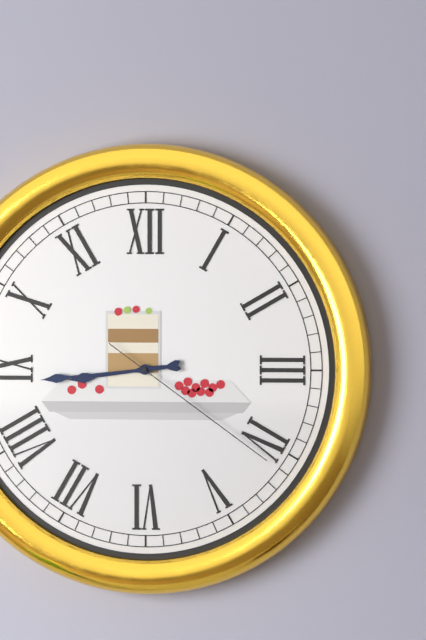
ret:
8:44:21
